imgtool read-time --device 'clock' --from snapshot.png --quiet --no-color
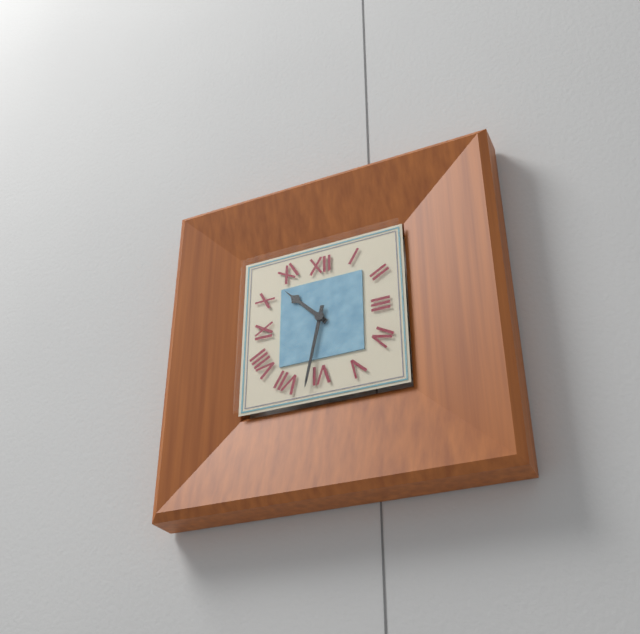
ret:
10:32
